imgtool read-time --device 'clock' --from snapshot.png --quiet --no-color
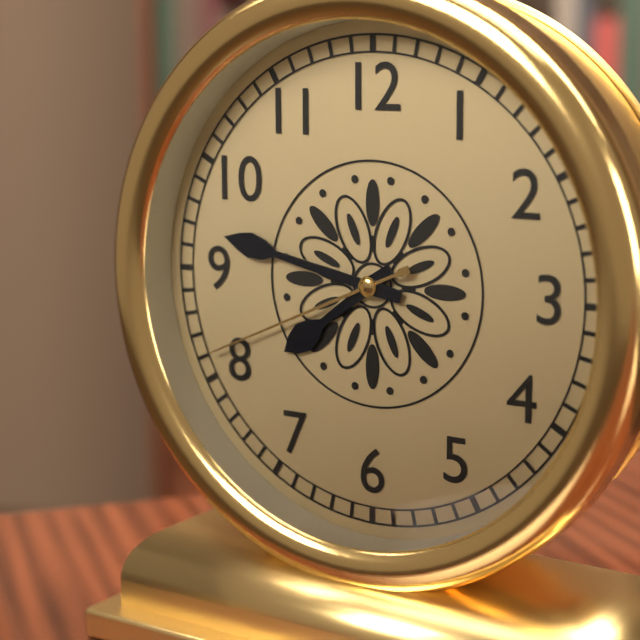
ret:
7:47:41
